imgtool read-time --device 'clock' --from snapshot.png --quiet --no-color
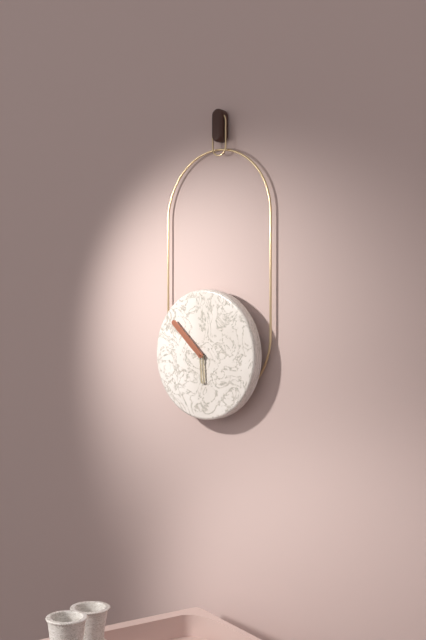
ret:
5:52
